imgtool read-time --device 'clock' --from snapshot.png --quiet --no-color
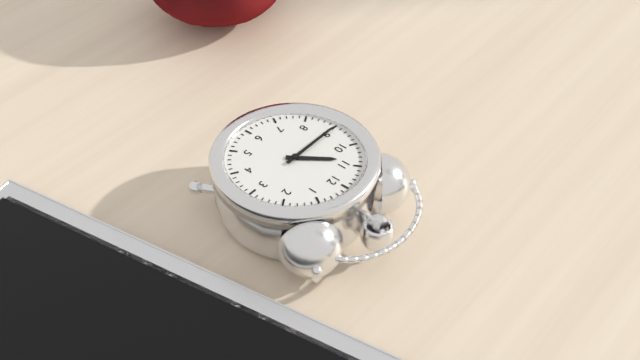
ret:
10:45
